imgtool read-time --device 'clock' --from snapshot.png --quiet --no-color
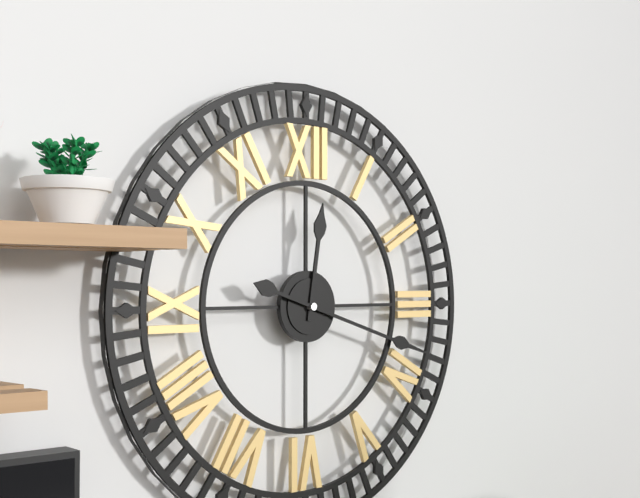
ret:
12:18
